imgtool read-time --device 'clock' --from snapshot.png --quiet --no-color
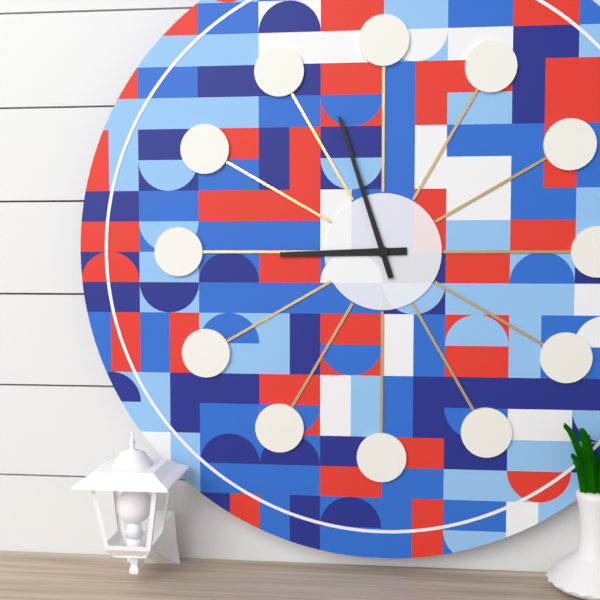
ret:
8:57
